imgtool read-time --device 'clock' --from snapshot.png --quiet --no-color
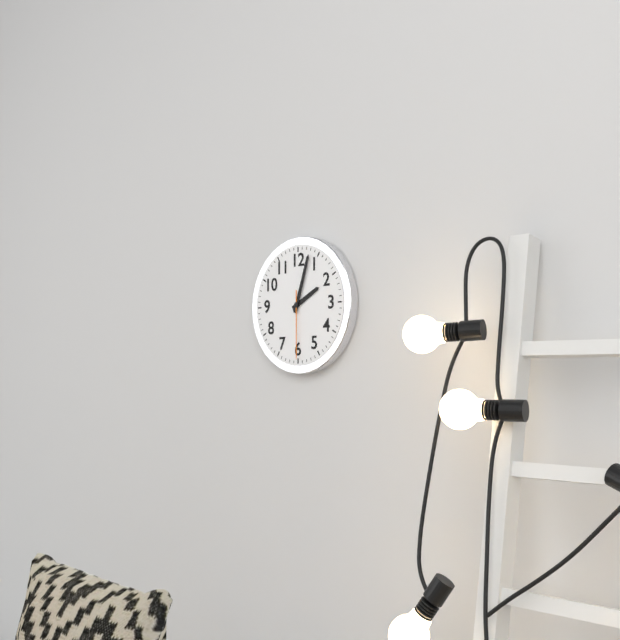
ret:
2:03:30
